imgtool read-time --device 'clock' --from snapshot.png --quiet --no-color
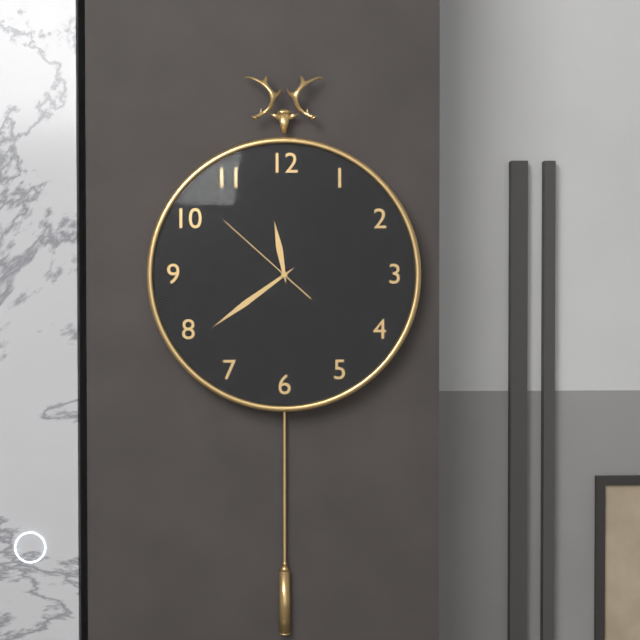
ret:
11:39:52
